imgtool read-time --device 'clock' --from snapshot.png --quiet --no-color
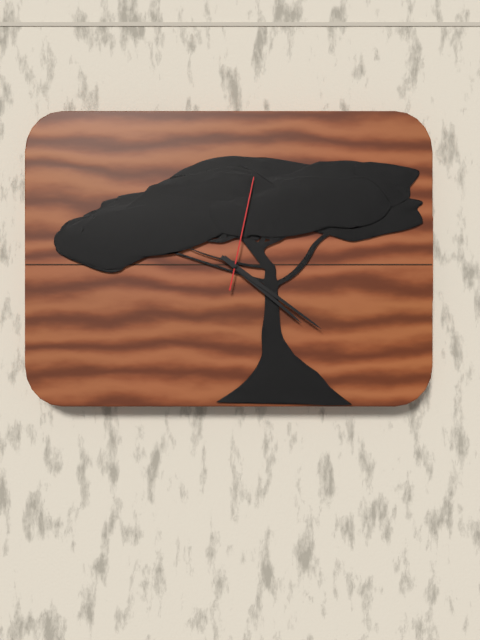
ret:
4:21:02
